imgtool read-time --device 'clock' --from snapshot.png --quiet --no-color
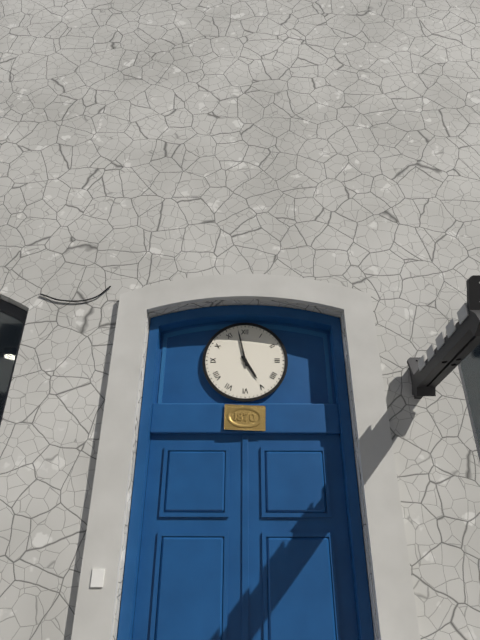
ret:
4:58
